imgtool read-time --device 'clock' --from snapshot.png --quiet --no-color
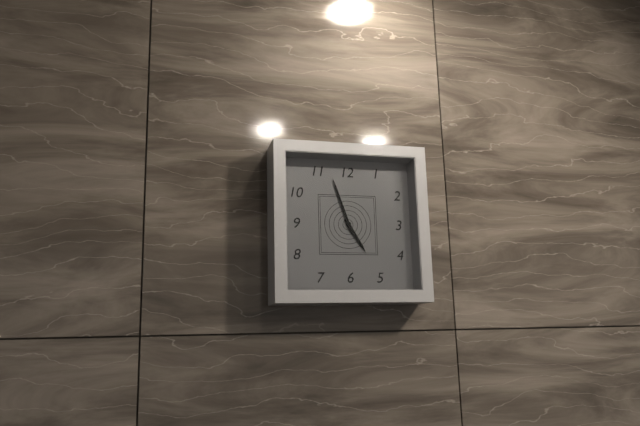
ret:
4:57
